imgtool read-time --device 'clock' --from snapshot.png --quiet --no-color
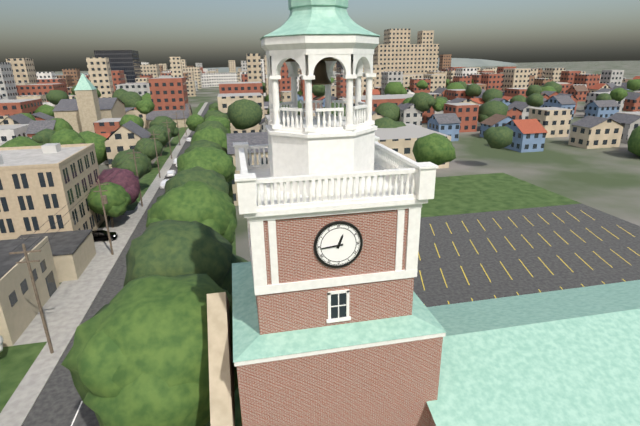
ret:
12:44
